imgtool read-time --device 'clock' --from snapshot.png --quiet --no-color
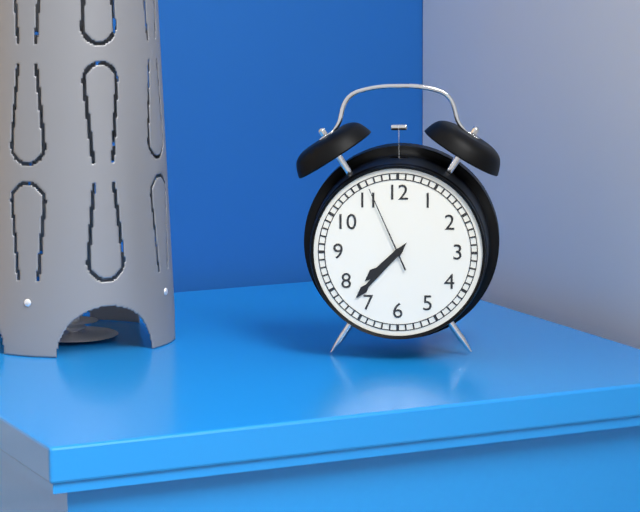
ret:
7:37:56
